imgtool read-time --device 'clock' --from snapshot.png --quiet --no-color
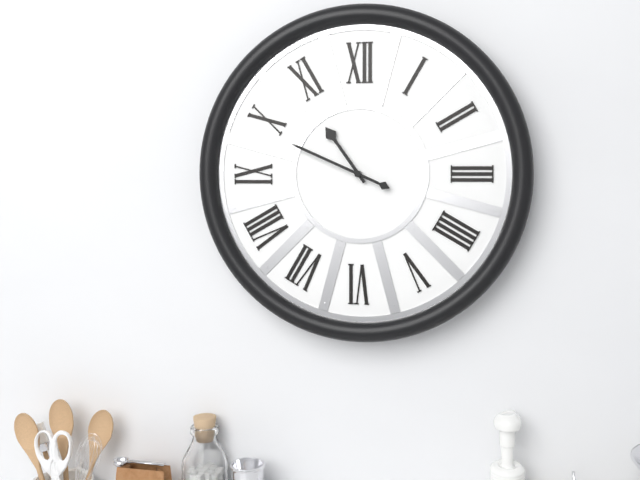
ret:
10:49
